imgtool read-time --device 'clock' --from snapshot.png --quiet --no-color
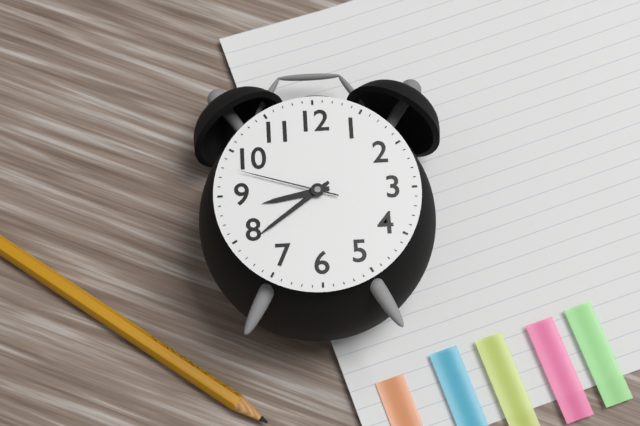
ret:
8:39:48
